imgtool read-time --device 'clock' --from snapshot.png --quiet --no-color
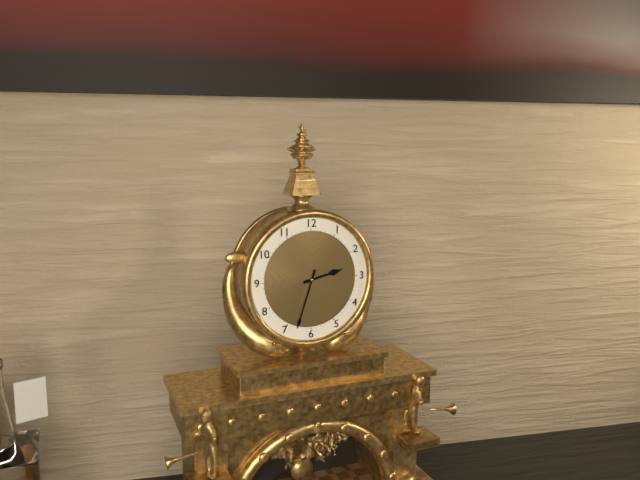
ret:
2:33
